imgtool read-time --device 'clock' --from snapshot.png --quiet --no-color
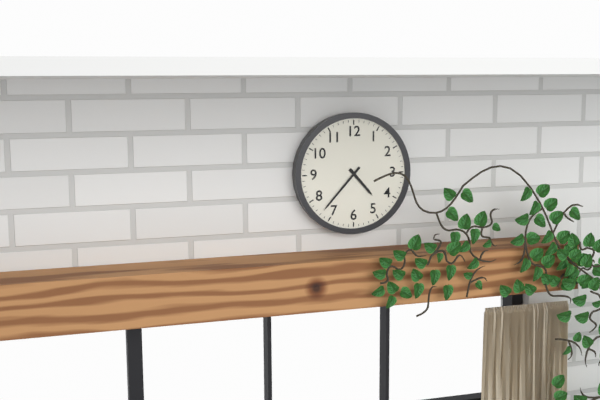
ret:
4:37
